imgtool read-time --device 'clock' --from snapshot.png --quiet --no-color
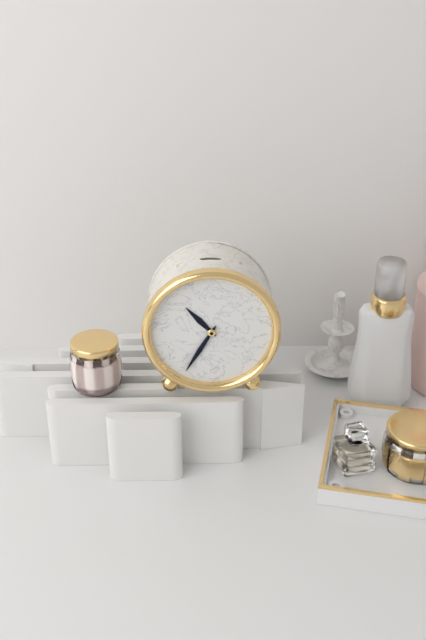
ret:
10:35
